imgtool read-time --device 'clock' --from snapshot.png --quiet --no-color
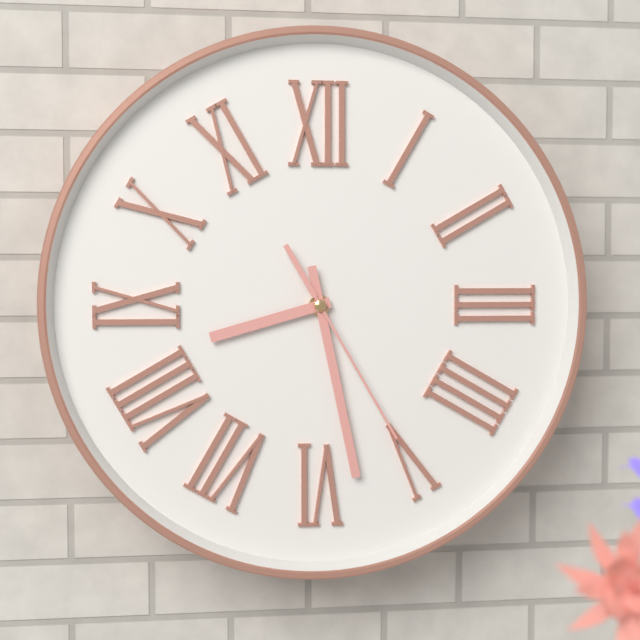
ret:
8:28:25
